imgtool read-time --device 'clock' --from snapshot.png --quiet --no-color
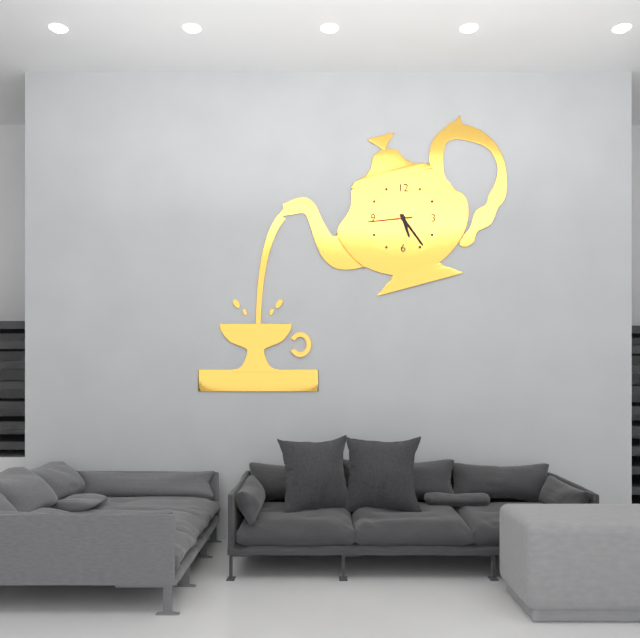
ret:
5:24
